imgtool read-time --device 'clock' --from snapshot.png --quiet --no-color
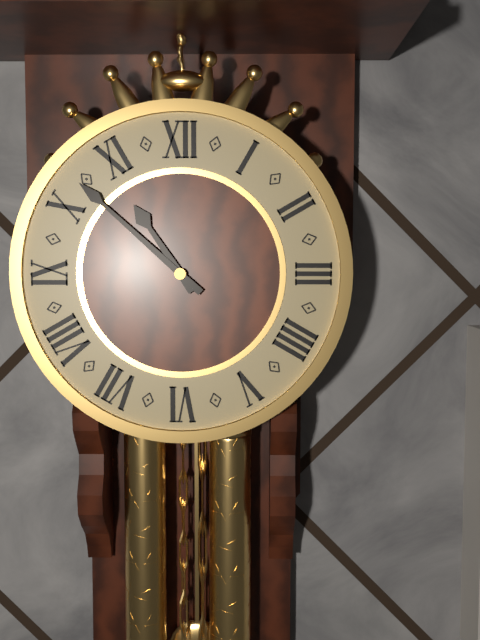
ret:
10:52
